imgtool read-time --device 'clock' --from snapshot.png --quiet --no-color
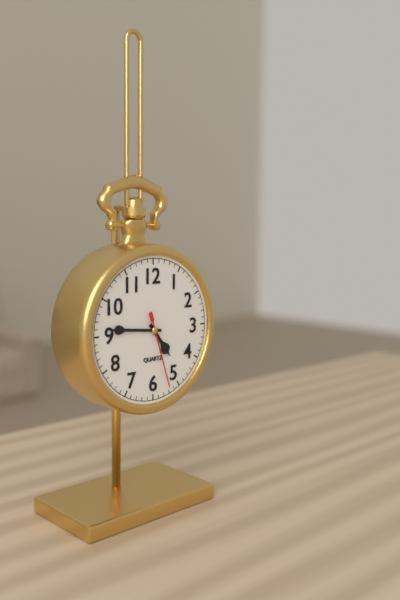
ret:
4:46:27
